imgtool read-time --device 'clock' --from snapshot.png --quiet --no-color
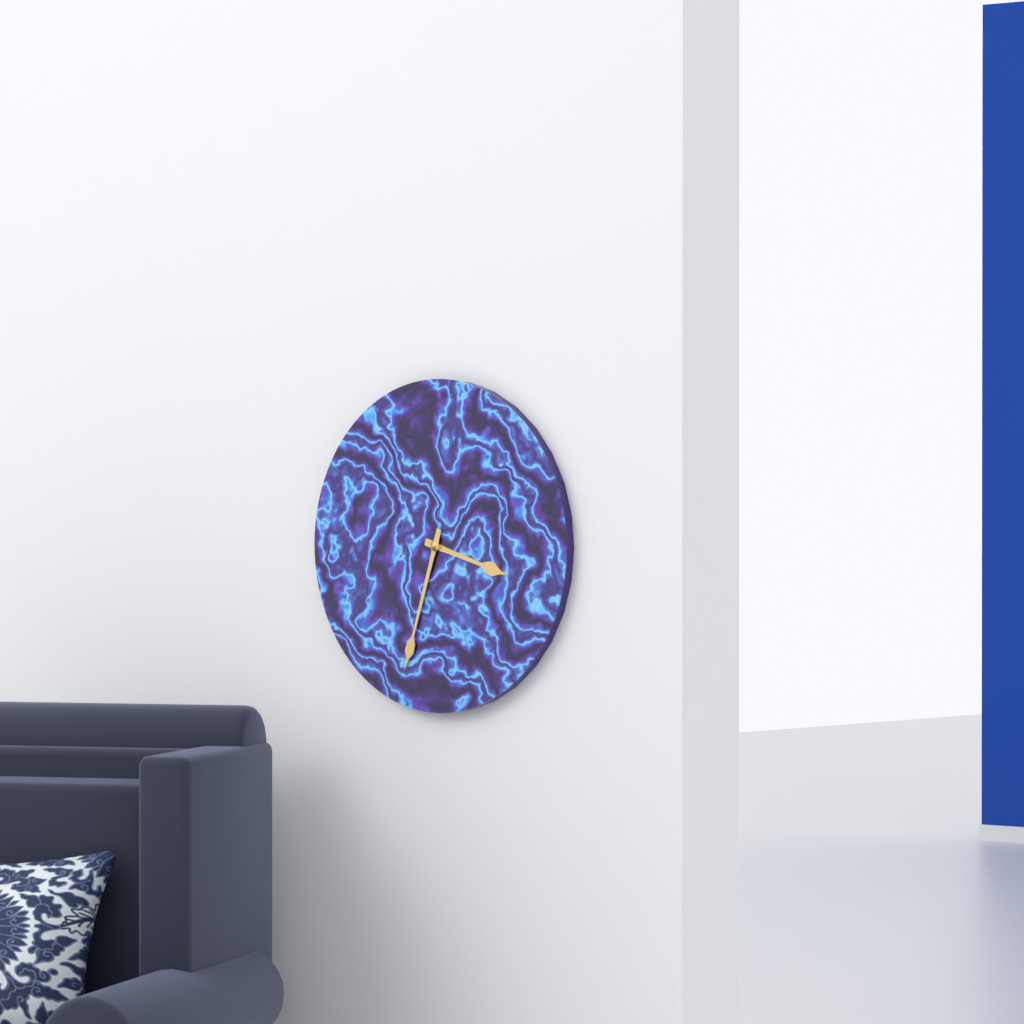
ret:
3:33
